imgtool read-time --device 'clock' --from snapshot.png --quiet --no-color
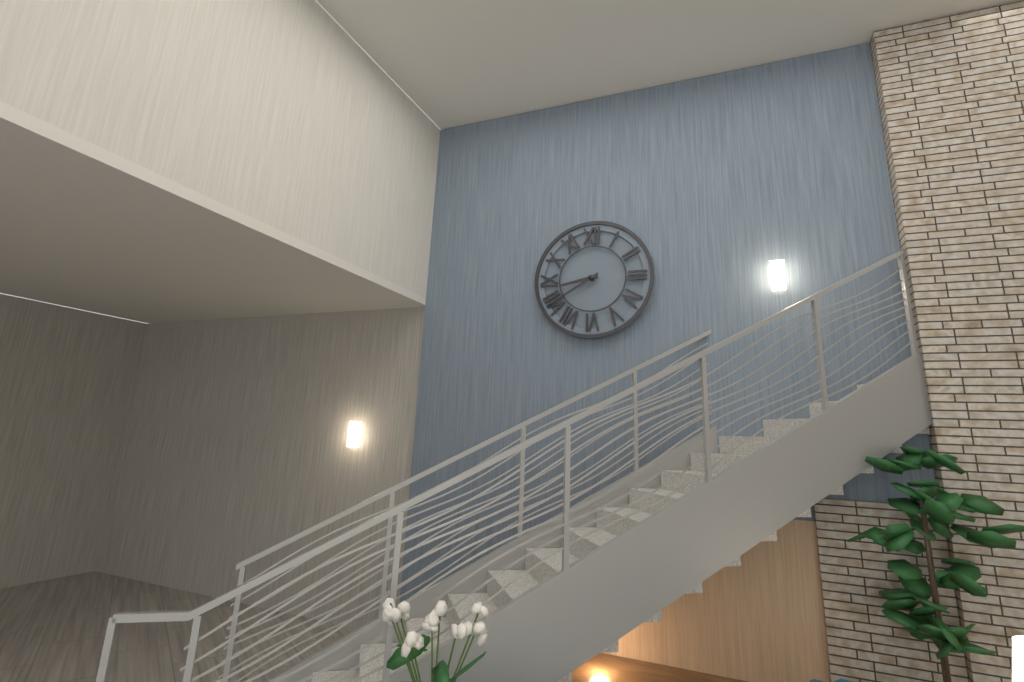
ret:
8:40
